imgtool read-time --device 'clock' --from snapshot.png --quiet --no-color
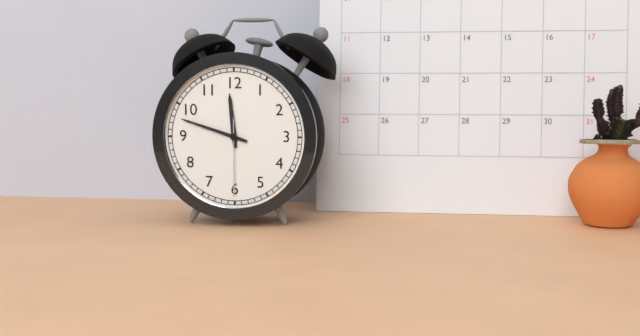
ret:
11:48:30
